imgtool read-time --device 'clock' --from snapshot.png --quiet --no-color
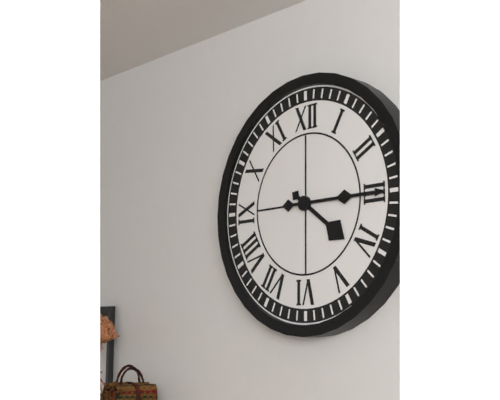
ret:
4:15
